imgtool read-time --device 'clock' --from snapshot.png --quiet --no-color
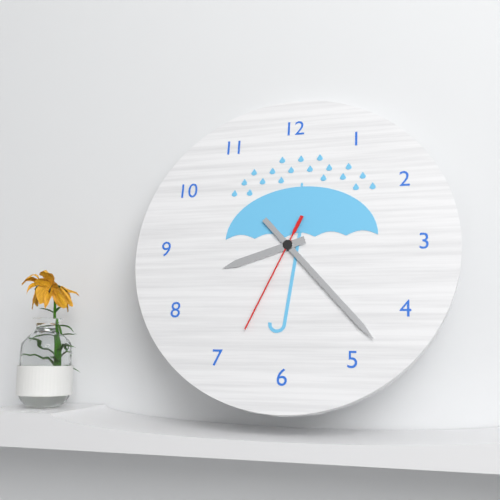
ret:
8:23:34
